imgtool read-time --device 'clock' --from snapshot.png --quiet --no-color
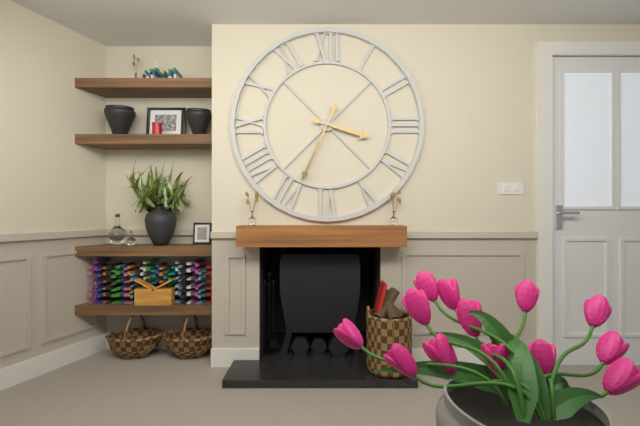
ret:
3:34
